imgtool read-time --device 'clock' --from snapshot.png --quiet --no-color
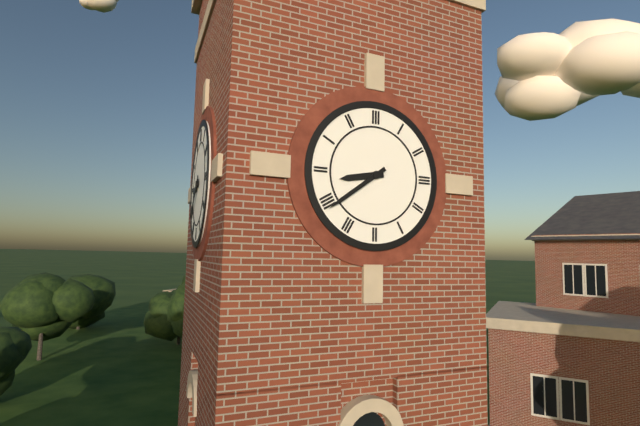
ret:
8:39
